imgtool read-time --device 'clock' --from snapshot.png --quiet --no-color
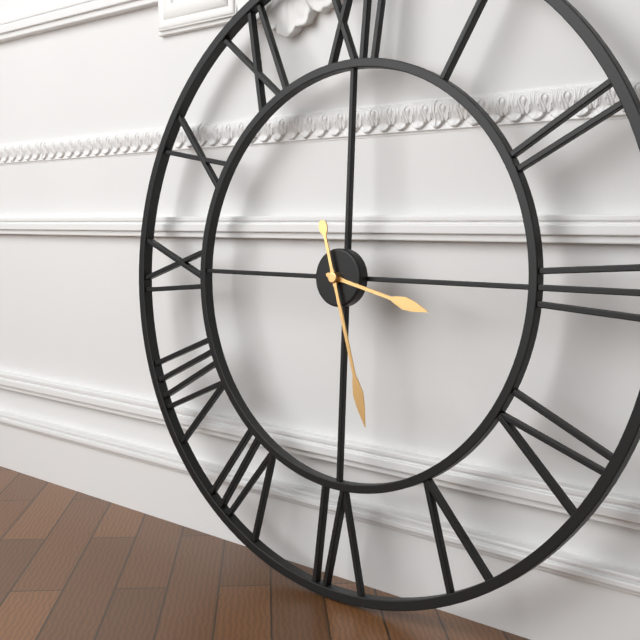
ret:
3:27
